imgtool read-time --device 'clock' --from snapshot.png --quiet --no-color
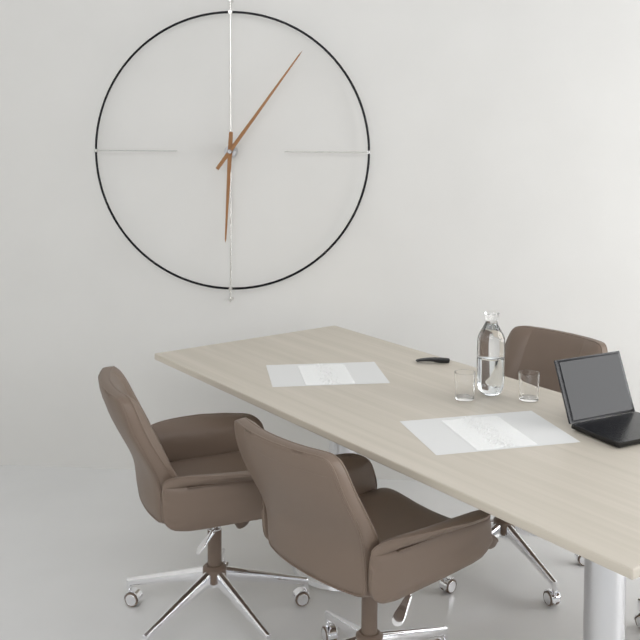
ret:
6:06
